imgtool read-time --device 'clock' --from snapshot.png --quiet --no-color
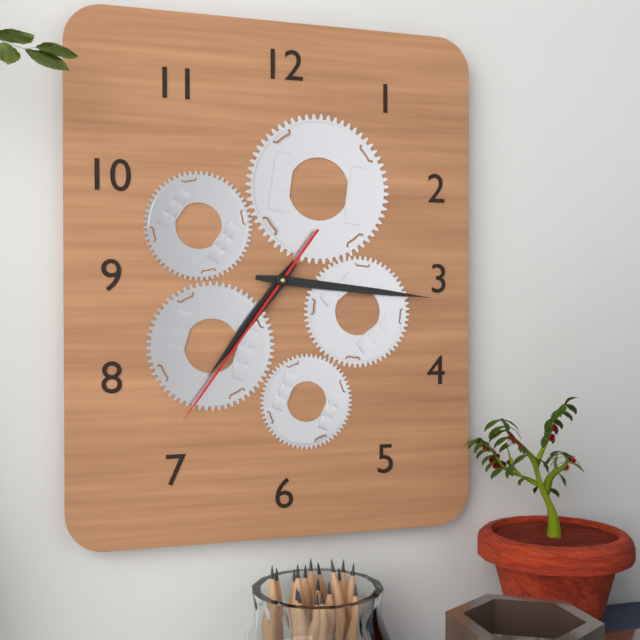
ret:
7:16:36
